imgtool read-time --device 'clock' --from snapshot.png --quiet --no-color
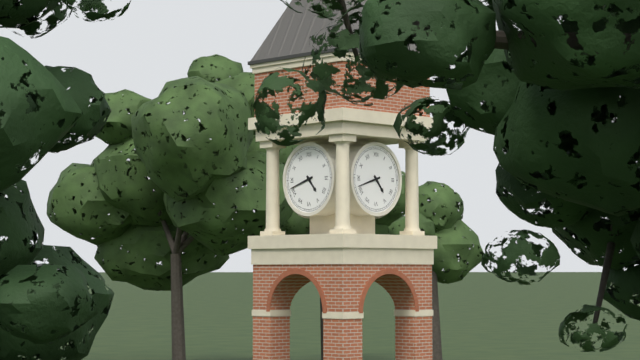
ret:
4:42
